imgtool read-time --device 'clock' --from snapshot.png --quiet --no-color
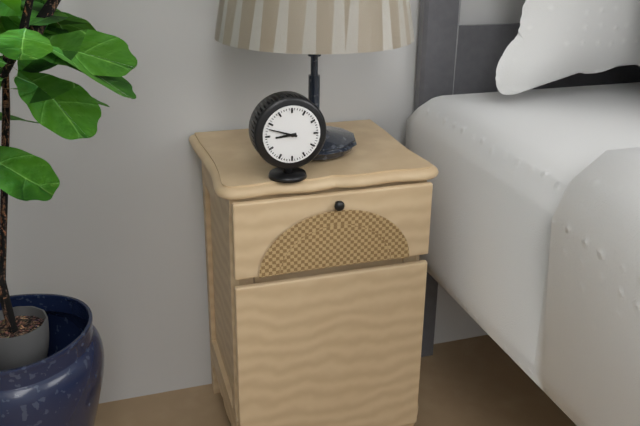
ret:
8:48
